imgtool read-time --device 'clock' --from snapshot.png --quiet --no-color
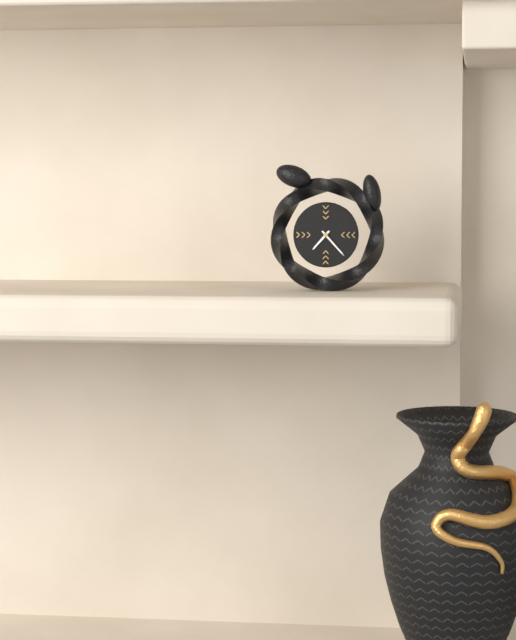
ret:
7:23
